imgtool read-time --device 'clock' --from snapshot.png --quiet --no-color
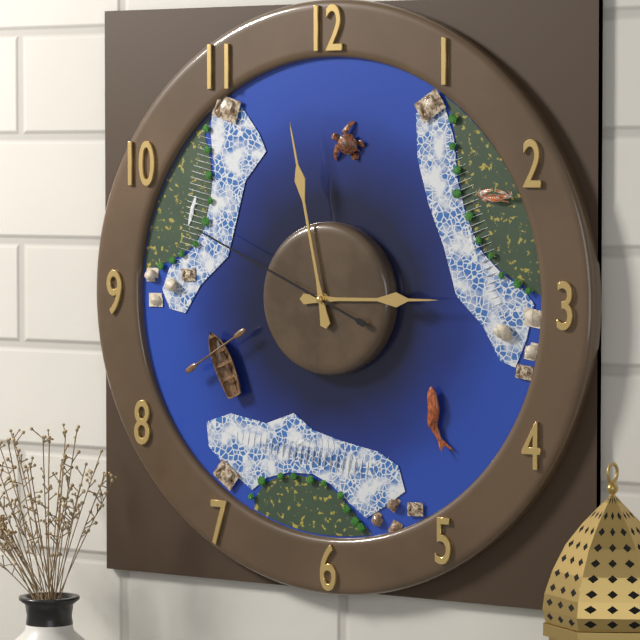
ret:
2:58:49
